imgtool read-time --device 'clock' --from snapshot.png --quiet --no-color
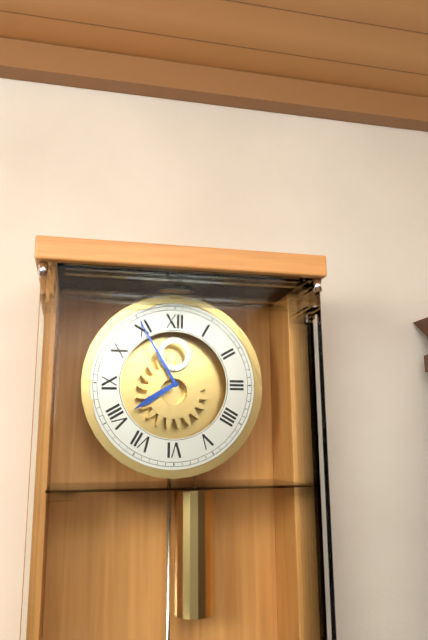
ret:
7:55
